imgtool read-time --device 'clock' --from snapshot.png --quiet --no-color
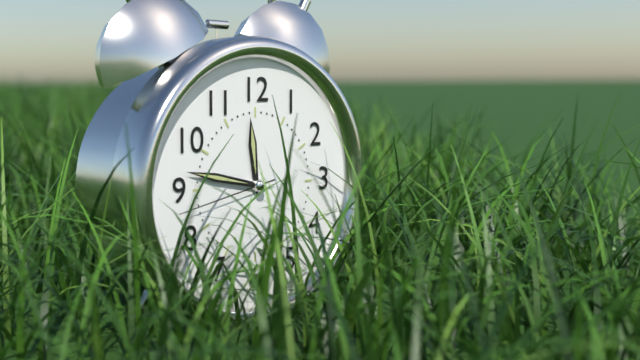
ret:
11:47:43
